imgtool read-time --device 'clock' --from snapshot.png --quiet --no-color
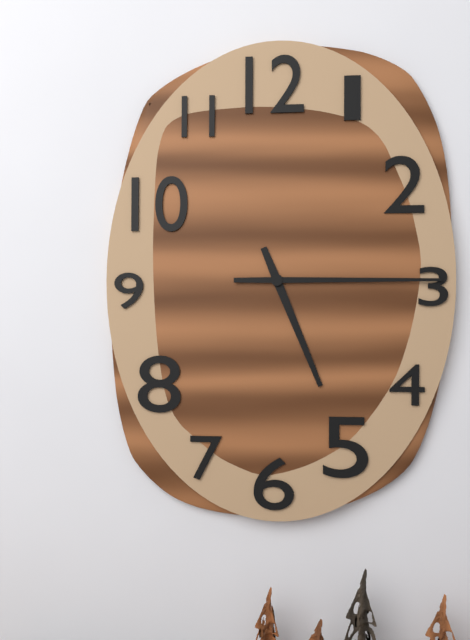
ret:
5:15
